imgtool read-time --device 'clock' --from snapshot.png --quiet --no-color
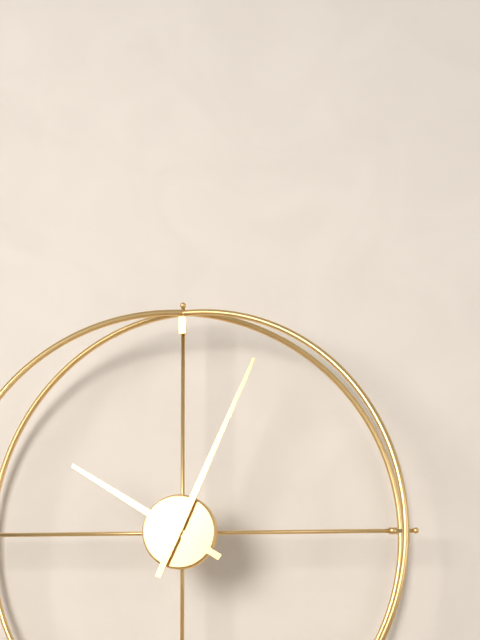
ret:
10:04
